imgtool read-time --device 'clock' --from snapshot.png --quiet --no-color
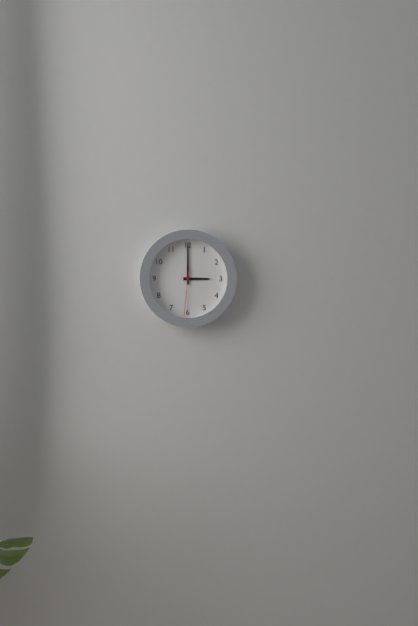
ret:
3:00
